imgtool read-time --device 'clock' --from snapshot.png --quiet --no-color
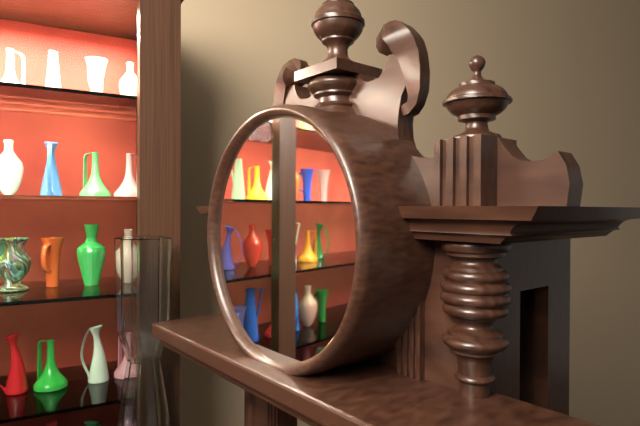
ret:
9:49
